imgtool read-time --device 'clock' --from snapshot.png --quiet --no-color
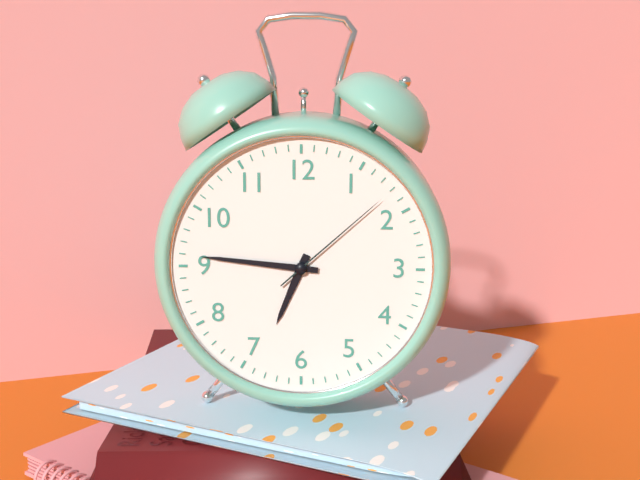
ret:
6:46:08
